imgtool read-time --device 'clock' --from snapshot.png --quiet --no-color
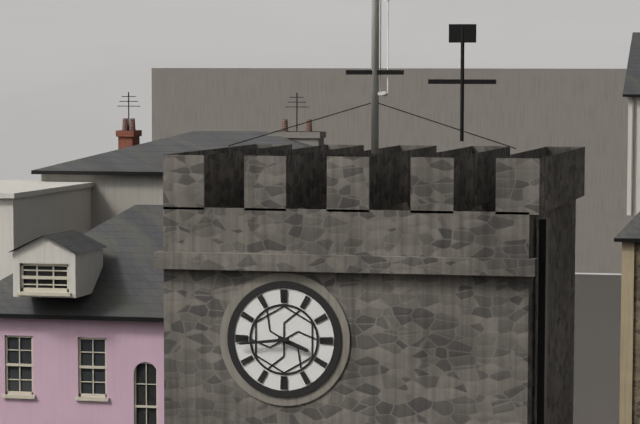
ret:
3:44
